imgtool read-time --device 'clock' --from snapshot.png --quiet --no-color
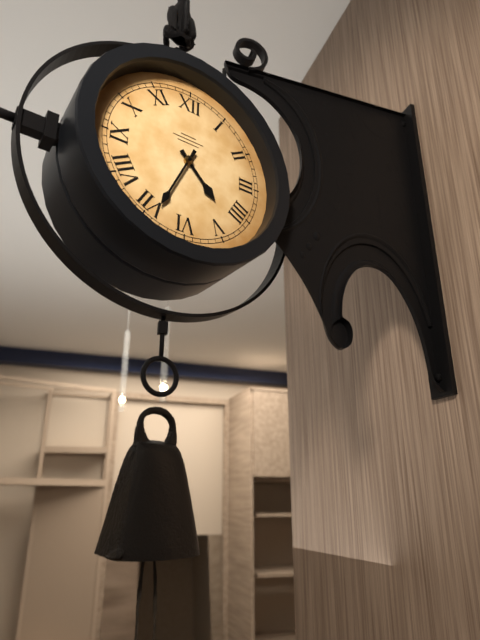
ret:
4:34
